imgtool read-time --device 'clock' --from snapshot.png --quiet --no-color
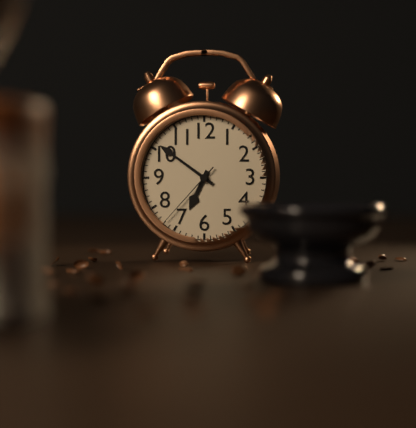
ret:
6:51:37
